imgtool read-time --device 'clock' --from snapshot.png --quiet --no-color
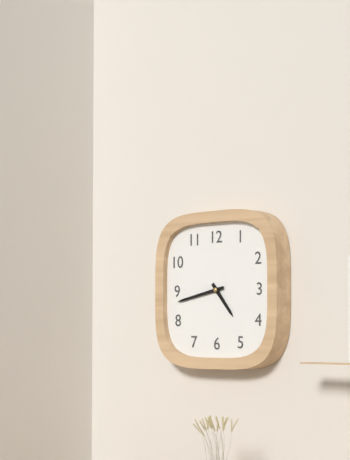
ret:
4:43
